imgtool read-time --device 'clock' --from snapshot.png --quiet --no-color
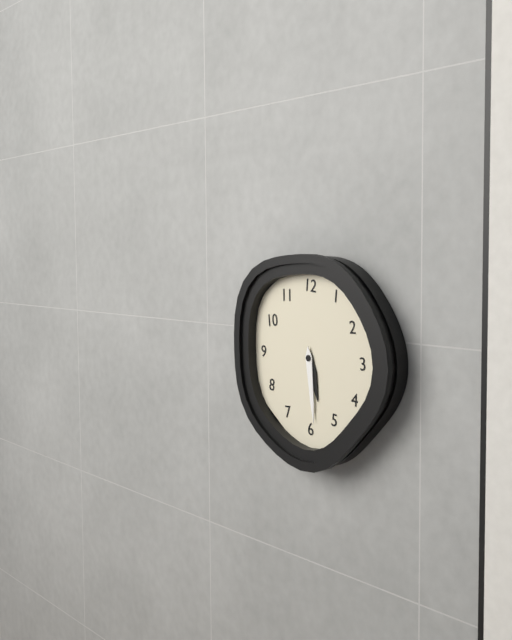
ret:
5:29
